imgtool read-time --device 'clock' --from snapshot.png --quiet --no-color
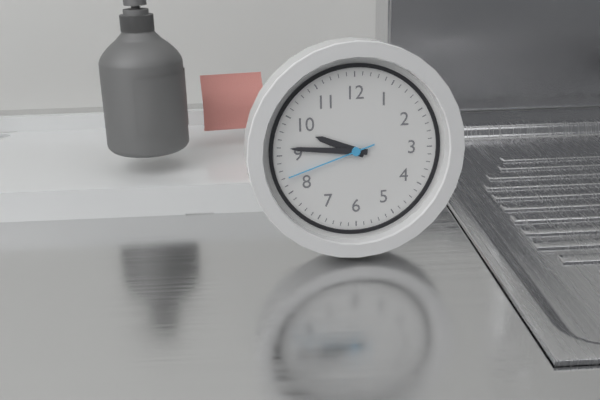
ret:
9:46:42
